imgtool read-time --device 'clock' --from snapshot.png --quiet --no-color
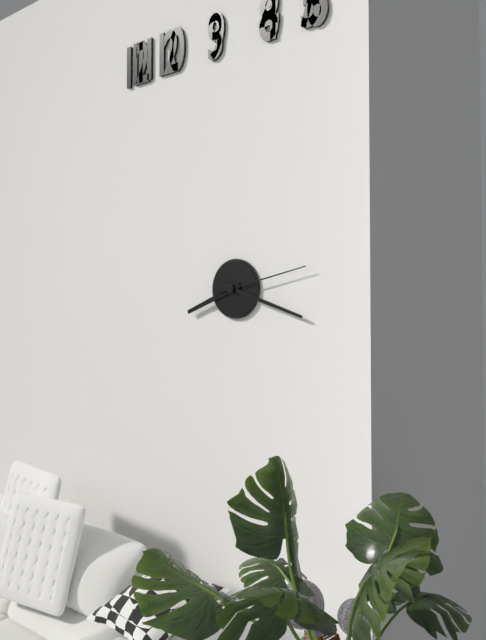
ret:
8:18:13
